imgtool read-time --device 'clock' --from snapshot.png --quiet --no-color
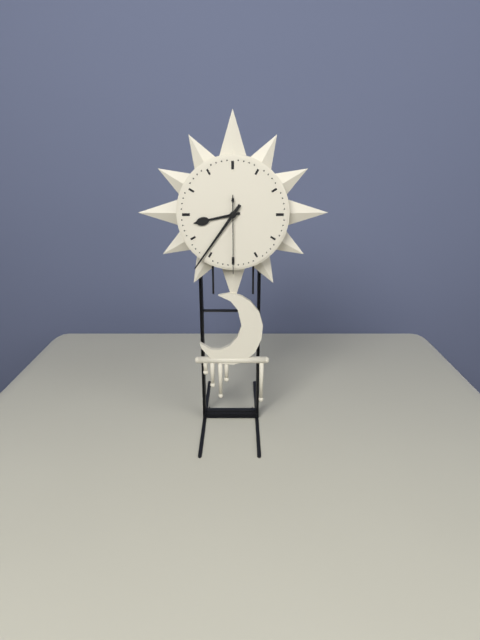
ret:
8:36:30
